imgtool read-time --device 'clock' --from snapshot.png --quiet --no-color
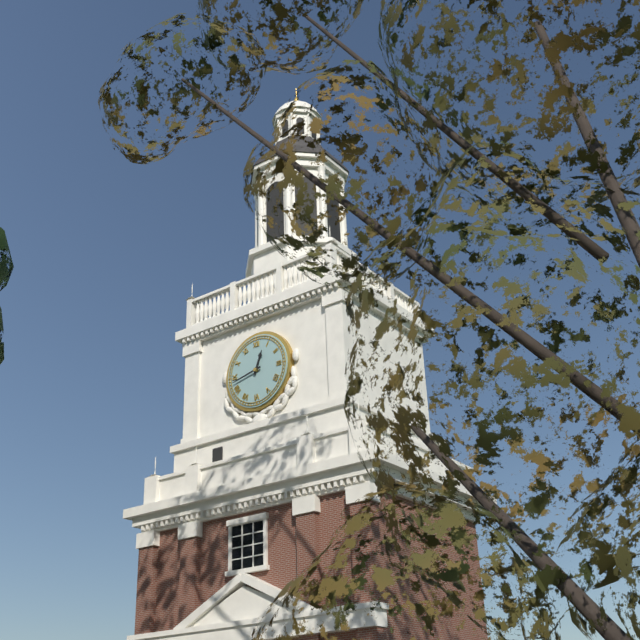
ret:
12:43
